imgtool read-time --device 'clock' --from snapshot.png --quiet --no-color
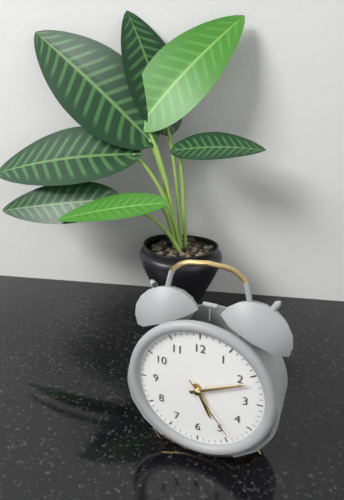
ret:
5:11:24
